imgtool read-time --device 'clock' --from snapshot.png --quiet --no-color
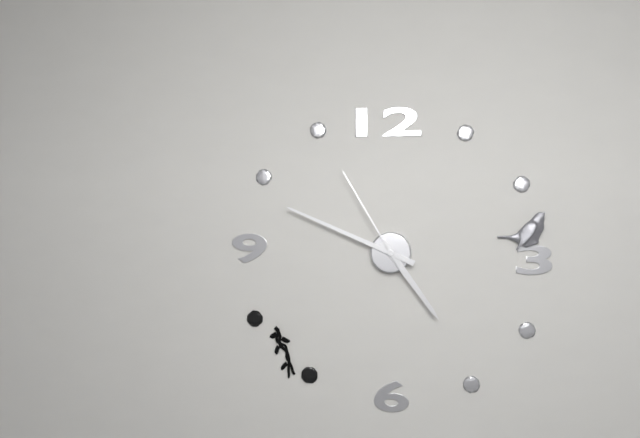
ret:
4:49:55
